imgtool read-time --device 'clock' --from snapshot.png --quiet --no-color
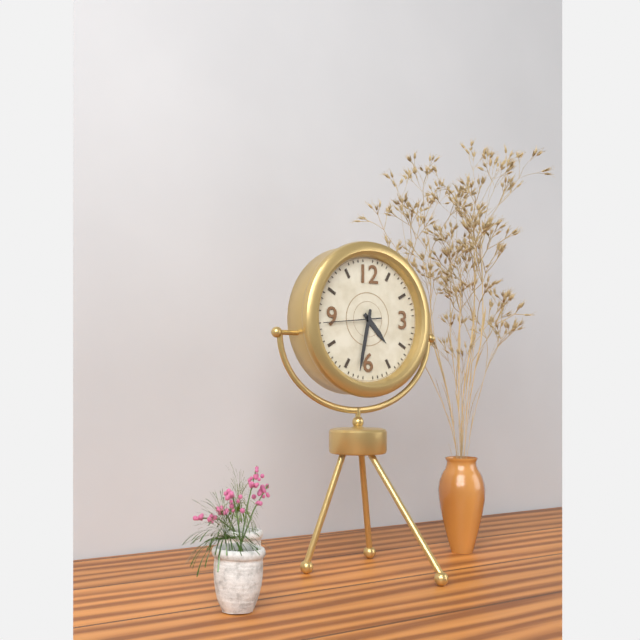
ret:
4:32:44
